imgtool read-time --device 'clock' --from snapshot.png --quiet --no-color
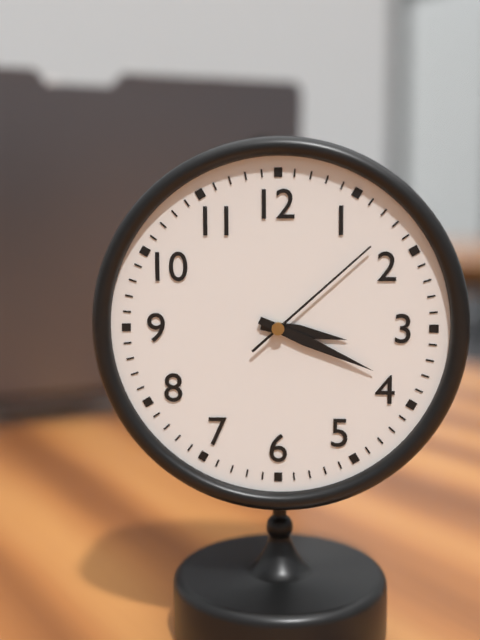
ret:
3:19:08
